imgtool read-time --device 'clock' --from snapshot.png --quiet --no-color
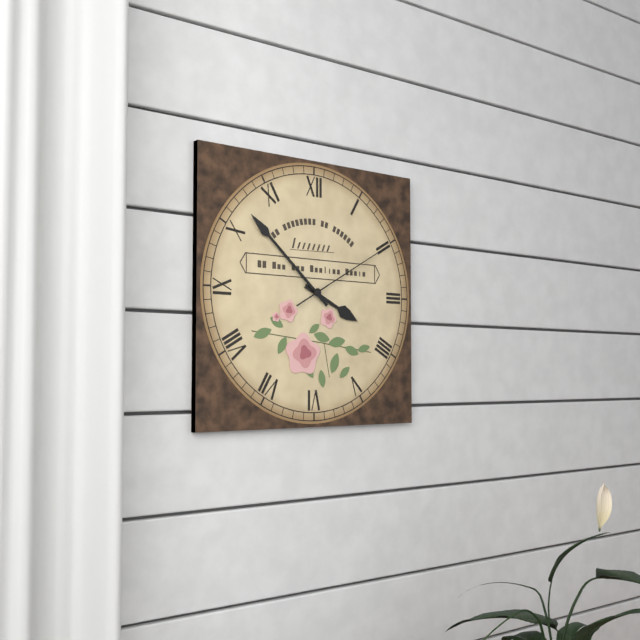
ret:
3:52:10
